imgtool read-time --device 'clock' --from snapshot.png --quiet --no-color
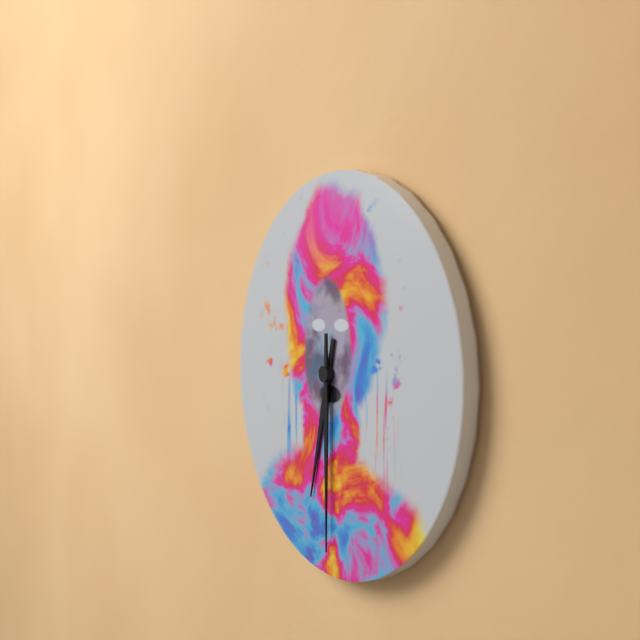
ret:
6:30
